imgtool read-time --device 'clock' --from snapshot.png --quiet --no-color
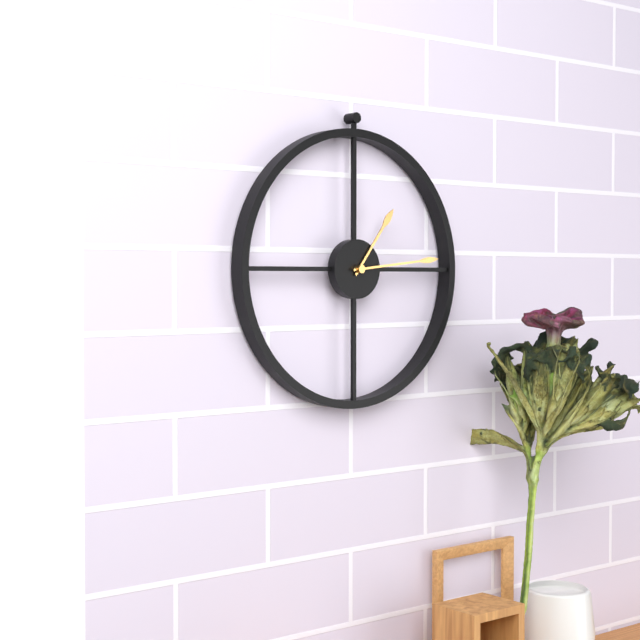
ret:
1:14
